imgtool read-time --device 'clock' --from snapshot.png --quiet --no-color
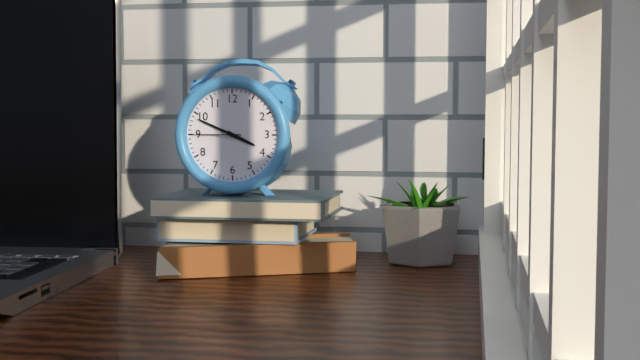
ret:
3:49:45
